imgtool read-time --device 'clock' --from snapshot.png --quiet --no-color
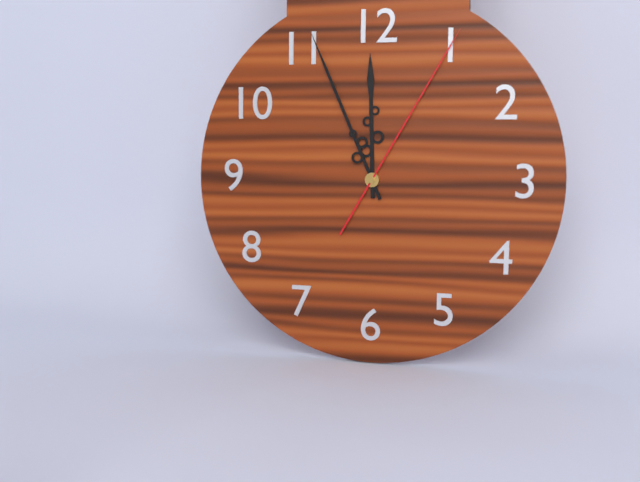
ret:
11:56:05
